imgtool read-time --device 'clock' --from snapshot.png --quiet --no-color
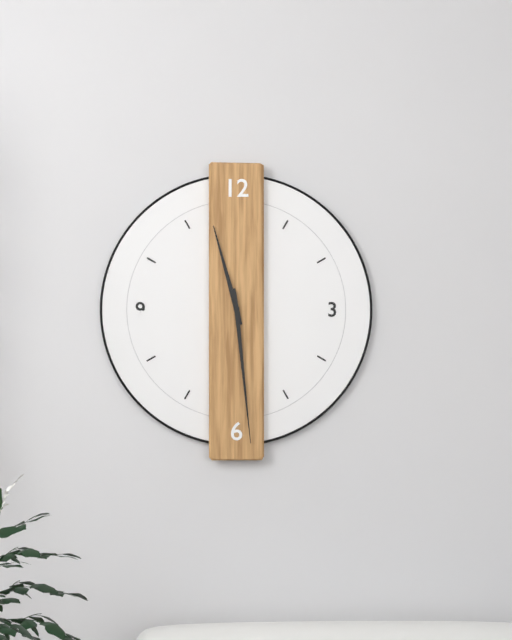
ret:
11:29
